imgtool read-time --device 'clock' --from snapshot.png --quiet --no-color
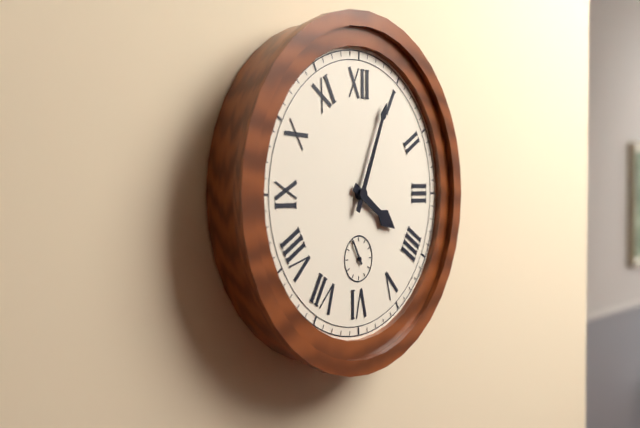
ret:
4:04
